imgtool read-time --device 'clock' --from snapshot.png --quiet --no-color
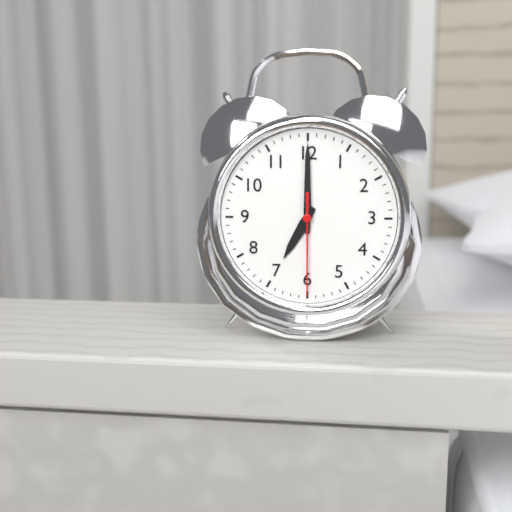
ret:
7:00:30
